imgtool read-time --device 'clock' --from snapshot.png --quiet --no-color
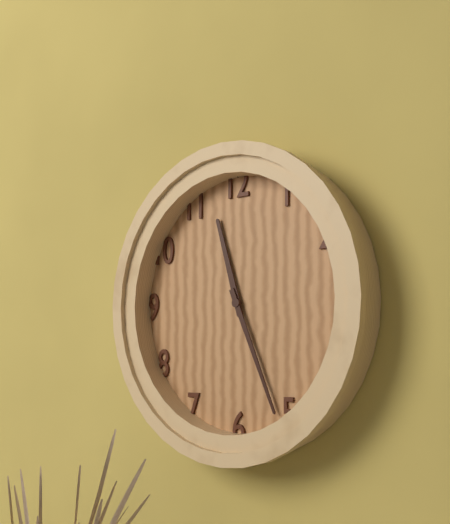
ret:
11:26
